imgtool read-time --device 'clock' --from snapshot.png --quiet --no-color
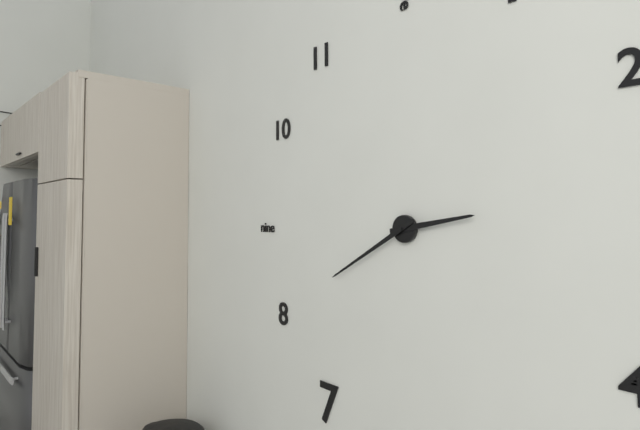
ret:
2:40
